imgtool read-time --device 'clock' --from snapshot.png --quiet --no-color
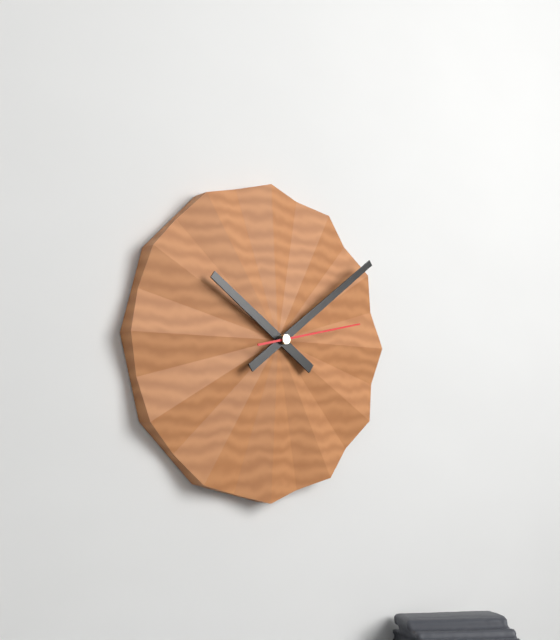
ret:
10:09:13
